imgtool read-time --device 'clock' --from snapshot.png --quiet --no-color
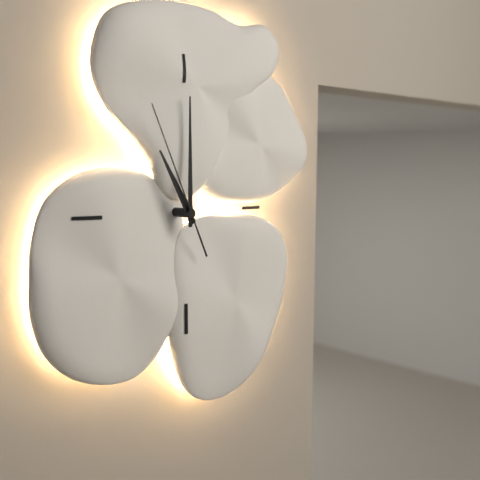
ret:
11:00:56
